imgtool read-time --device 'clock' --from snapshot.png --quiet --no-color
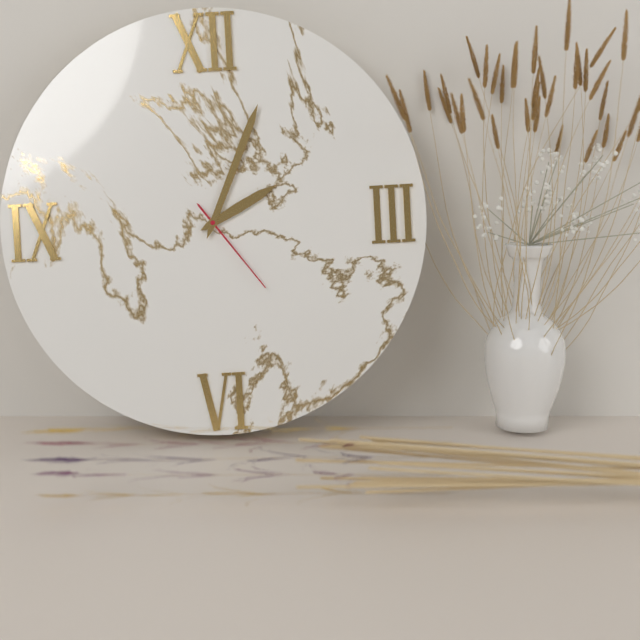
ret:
2:04:24
